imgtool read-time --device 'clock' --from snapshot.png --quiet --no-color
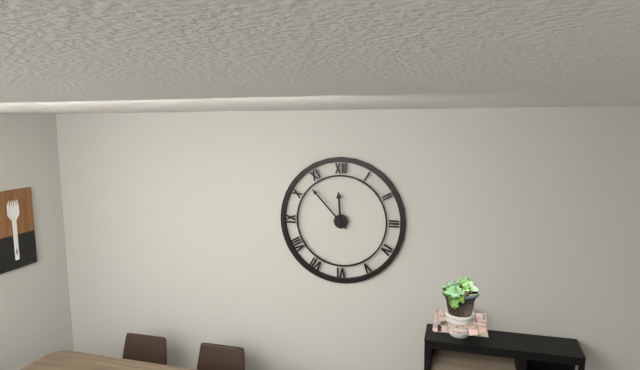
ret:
11:53
